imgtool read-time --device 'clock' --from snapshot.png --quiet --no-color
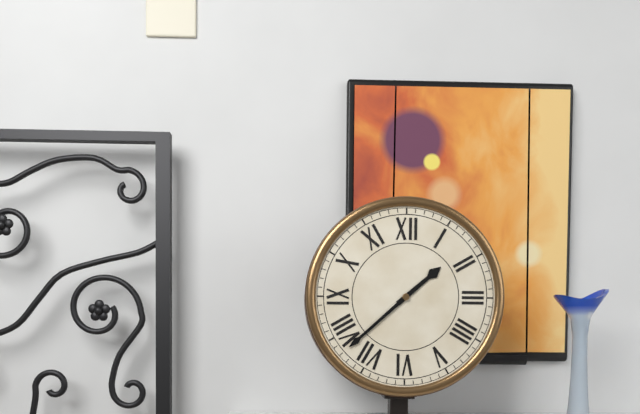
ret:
1:38
